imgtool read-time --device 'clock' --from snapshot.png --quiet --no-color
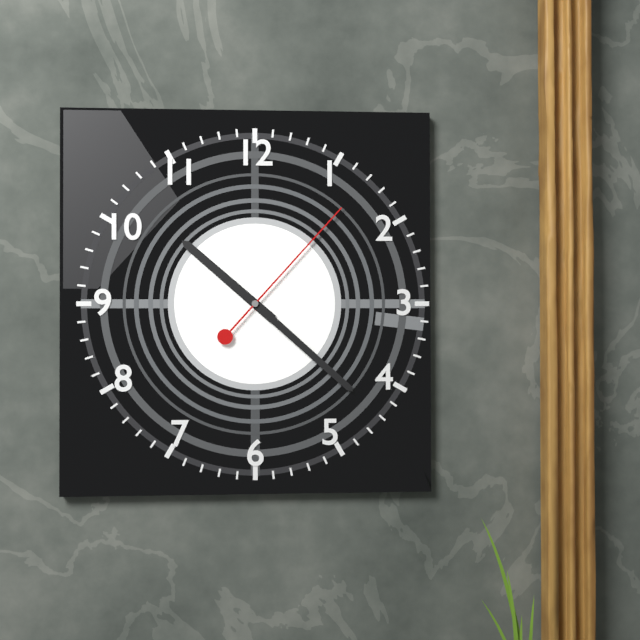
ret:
10:22:07
